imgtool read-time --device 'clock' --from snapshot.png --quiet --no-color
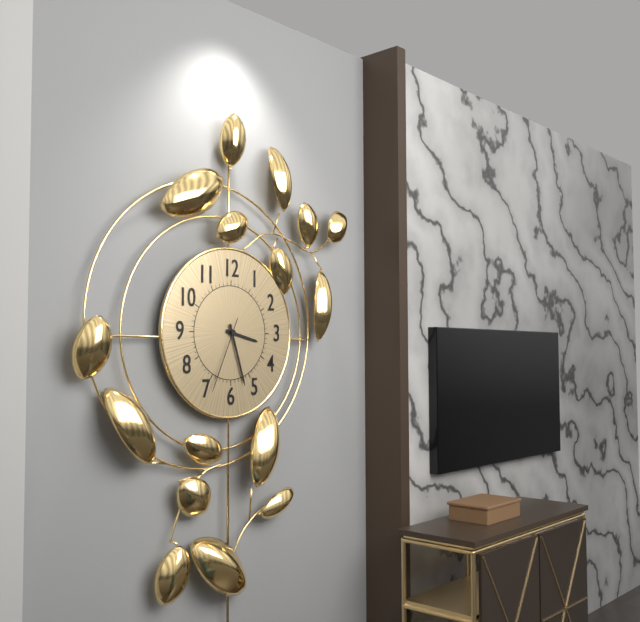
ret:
3:27:34
